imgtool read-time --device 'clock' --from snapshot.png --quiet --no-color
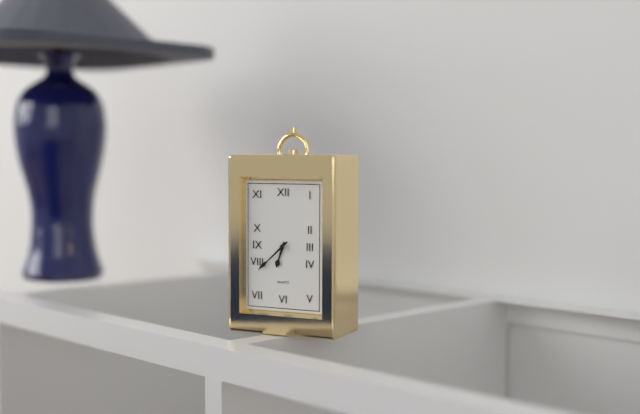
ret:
6:38
